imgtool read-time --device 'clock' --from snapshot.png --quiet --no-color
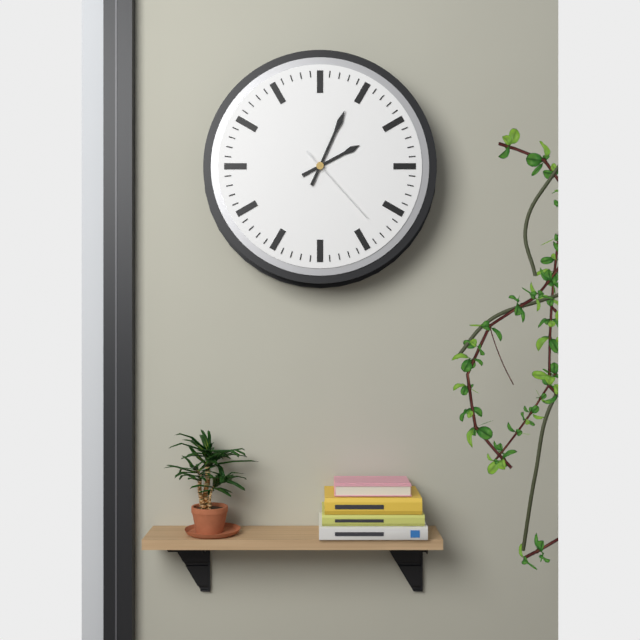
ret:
2:04:23
